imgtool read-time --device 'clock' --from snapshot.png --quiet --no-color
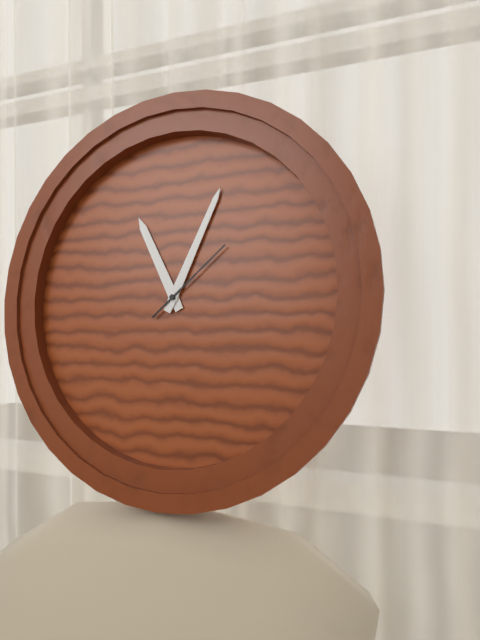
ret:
11:04:08
